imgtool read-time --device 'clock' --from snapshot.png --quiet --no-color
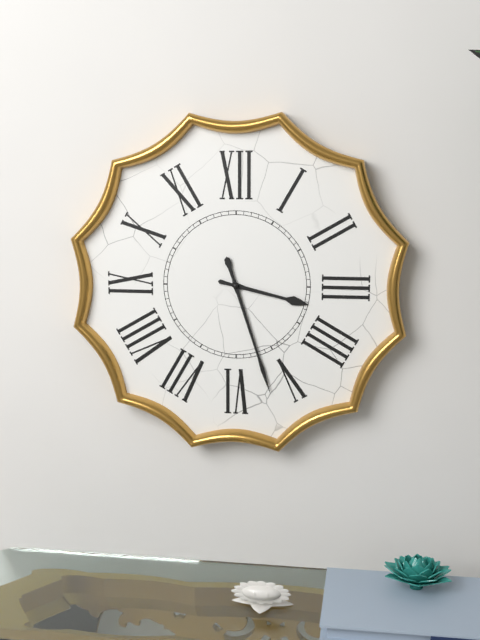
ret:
3:27
